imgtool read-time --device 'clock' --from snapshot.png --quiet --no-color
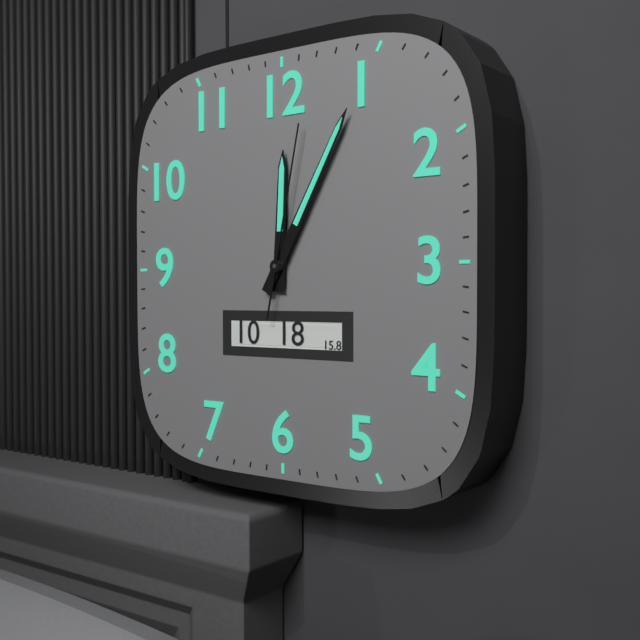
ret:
12:05:02
